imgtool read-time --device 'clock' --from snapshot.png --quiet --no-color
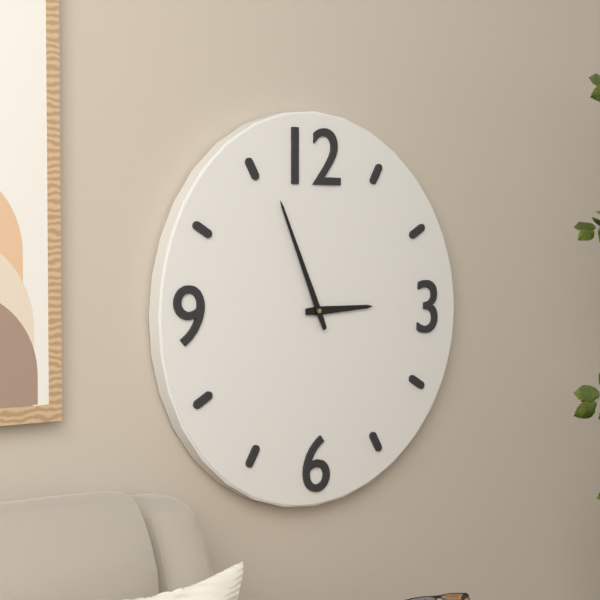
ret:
2:56
